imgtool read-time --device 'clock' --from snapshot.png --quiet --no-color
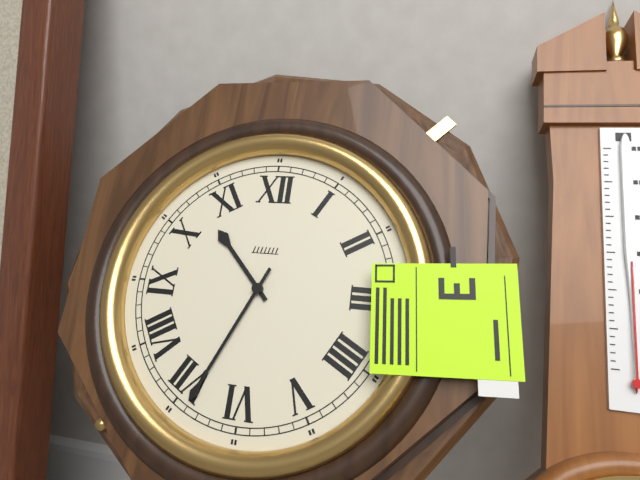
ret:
10:34
